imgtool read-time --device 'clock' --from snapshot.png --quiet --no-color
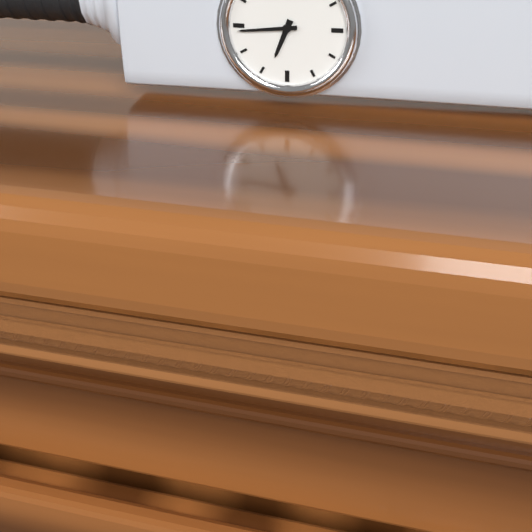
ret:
6:44
